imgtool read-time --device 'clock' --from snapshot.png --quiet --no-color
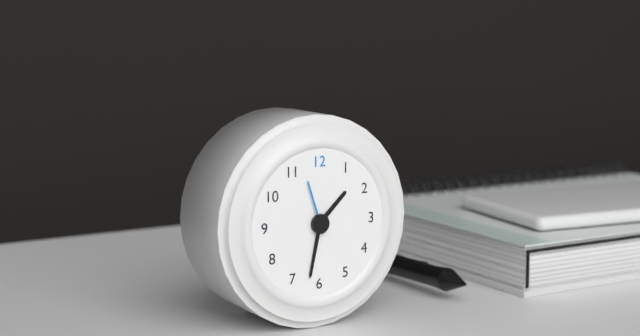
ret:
1:32:57
